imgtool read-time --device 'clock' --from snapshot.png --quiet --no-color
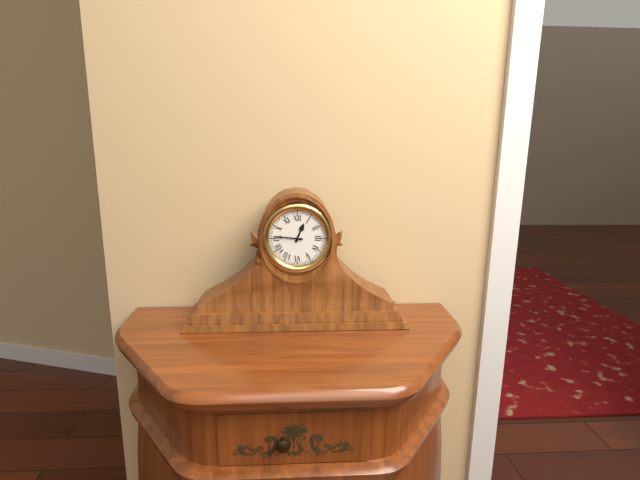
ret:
12:46
